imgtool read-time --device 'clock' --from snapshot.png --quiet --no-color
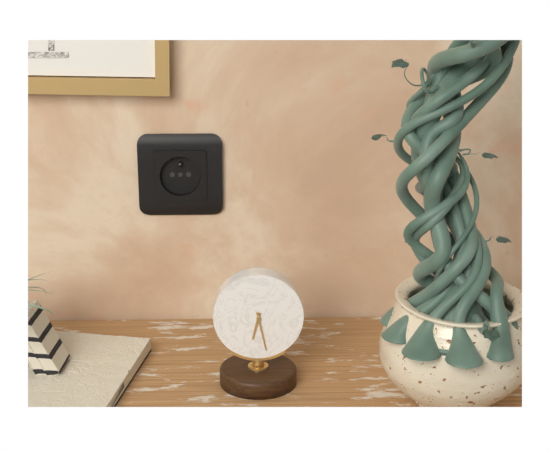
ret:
6:28
